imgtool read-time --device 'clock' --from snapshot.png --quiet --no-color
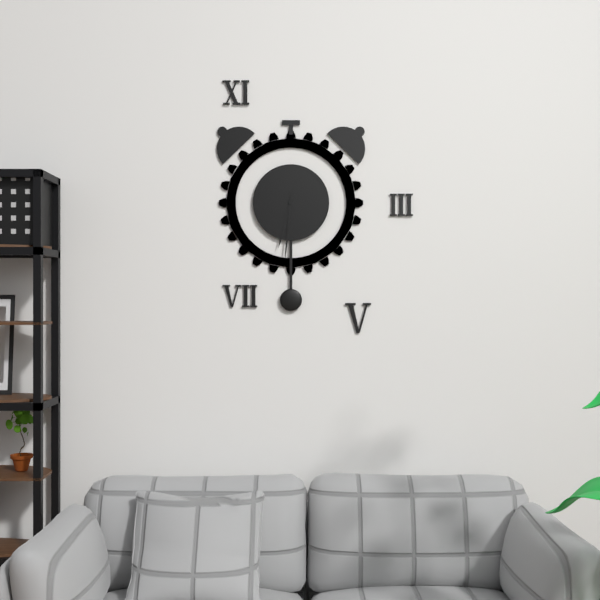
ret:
6:31
